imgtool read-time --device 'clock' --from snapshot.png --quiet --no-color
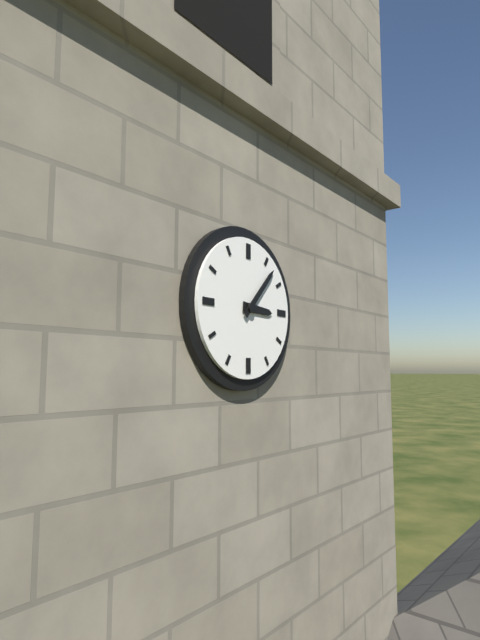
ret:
3:07
